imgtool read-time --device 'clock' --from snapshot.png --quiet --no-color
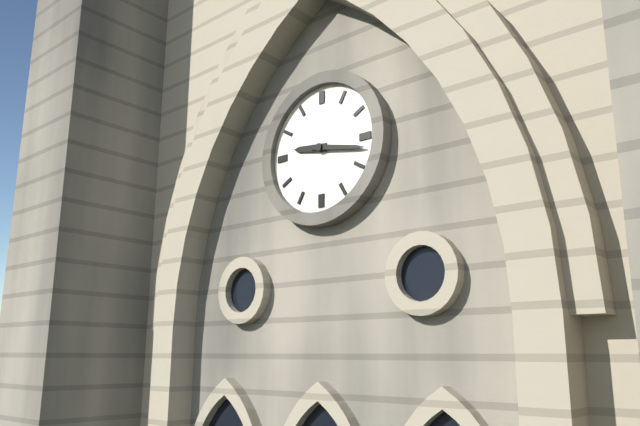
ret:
9:17
